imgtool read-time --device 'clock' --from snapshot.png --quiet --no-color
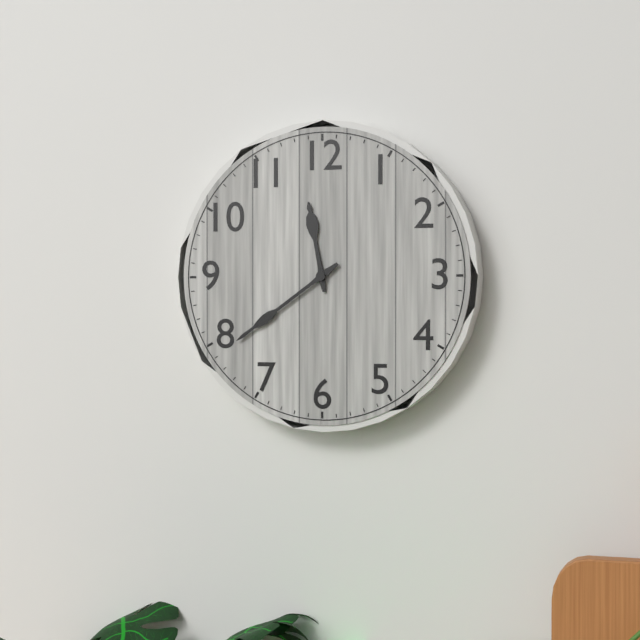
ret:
11:39
